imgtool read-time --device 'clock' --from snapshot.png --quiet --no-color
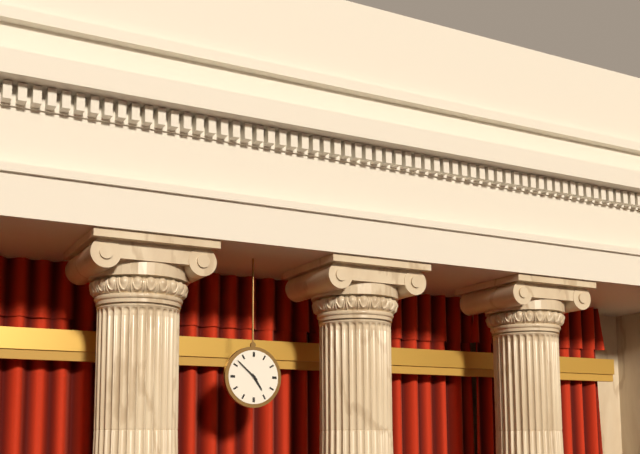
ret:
4:52
